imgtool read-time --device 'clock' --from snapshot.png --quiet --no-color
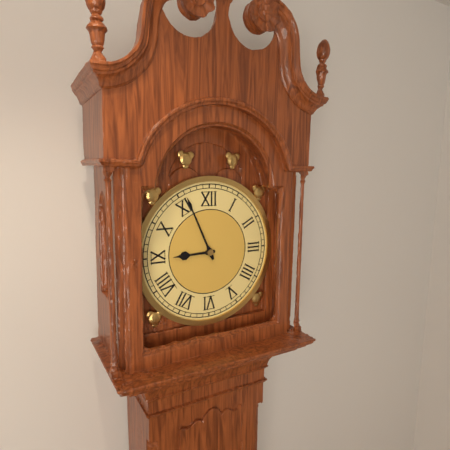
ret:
8:56
